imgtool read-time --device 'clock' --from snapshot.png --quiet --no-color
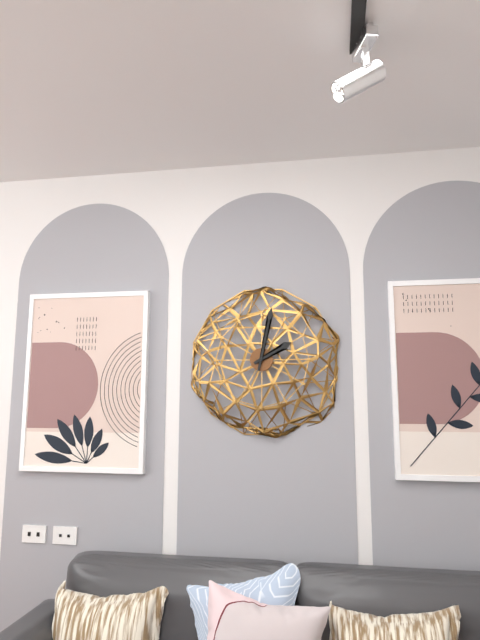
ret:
2:02
